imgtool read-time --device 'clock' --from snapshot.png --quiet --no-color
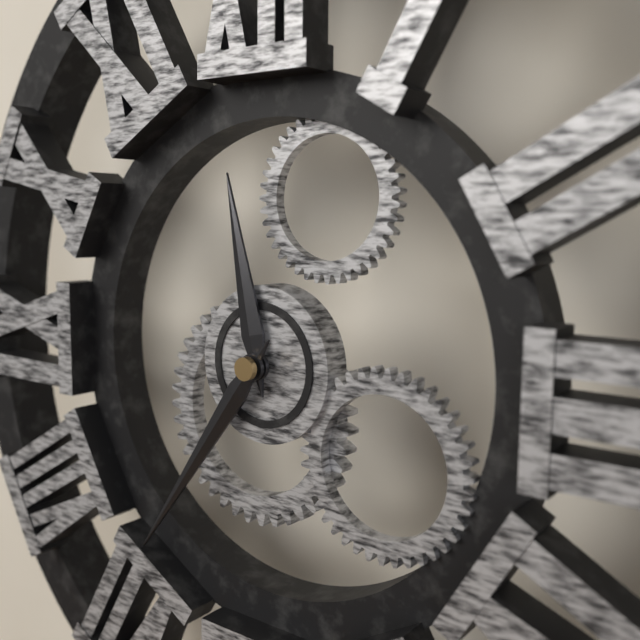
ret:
11:36
